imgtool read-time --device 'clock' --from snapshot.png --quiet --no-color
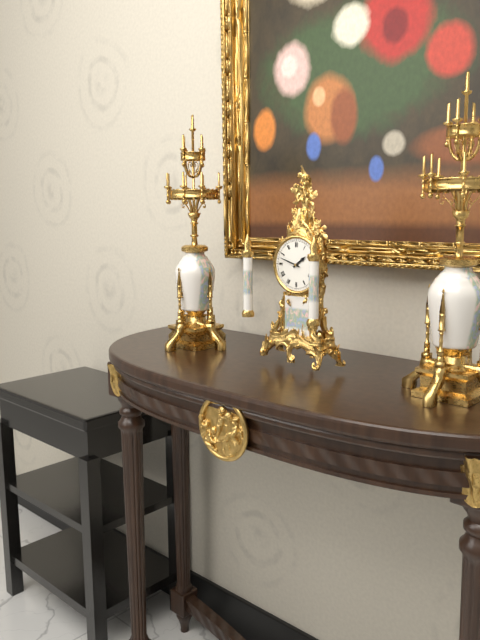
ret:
1:48
